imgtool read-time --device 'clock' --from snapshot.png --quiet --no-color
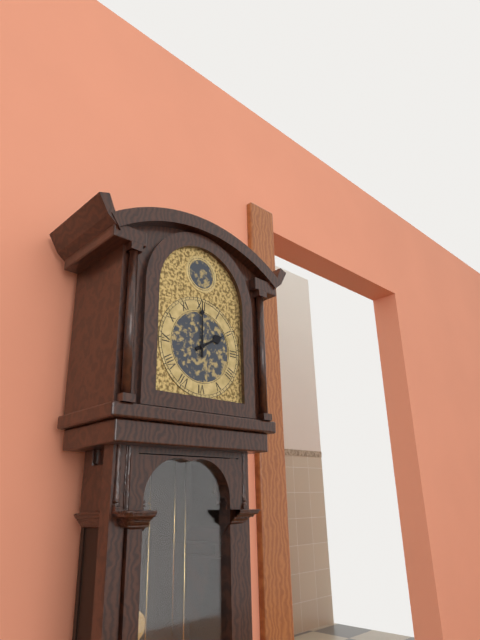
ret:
2:00
